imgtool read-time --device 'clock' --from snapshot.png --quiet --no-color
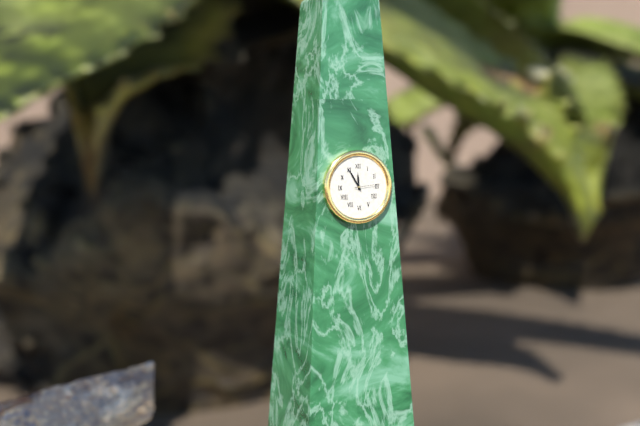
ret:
11:55
